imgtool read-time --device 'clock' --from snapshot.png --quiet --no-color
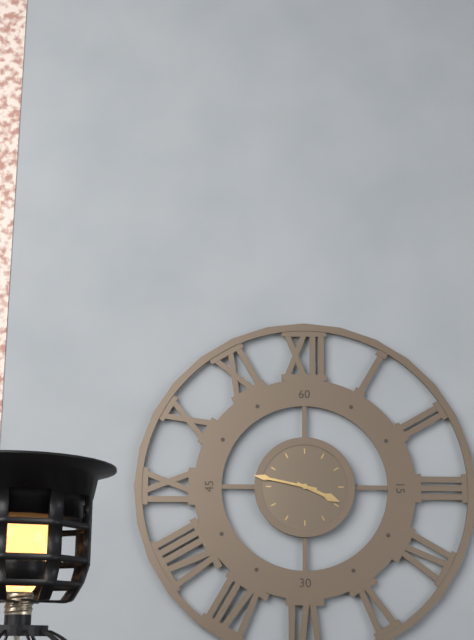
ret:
3:47
